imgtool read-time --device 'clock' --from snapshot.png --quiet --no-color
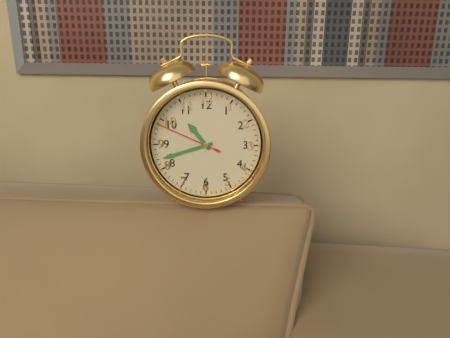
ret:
10:42:49
